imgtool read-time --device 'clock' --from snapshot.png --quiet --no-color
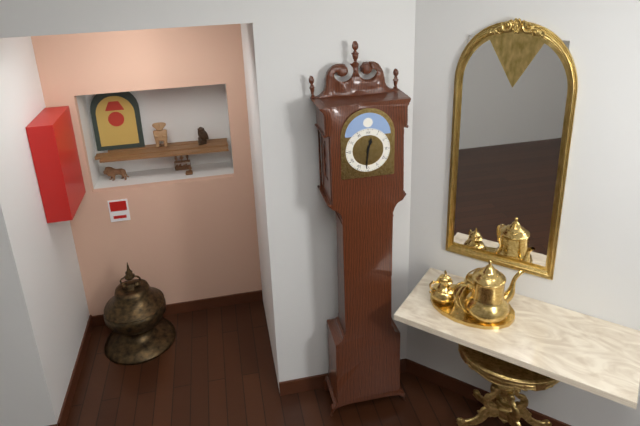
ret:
12:31
